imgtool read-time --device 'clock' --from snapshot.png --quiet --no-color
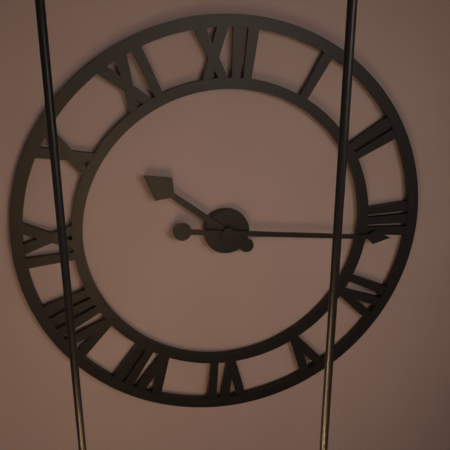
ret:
10:16
